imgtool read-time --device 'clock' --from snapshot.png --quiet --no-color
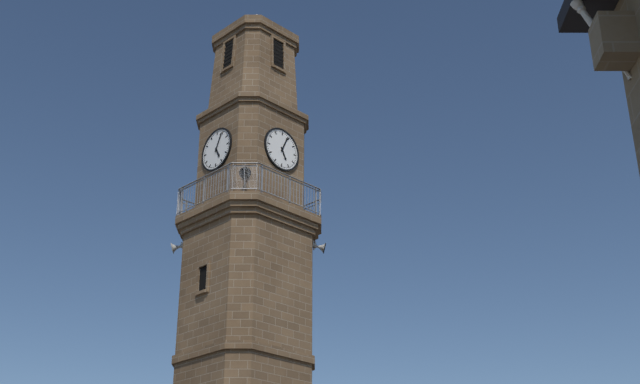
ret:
5:04
